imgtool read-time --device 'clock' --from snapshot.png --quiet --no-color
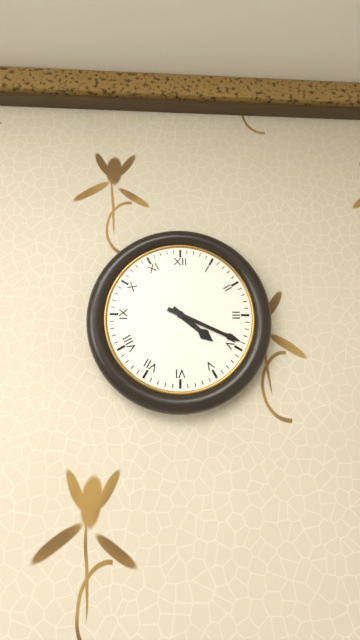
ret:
4:19
